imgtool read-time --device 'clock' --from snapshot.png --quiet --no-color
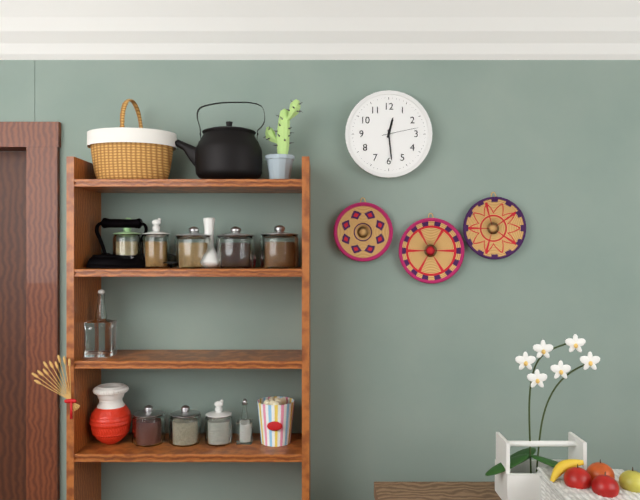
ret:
12:29
